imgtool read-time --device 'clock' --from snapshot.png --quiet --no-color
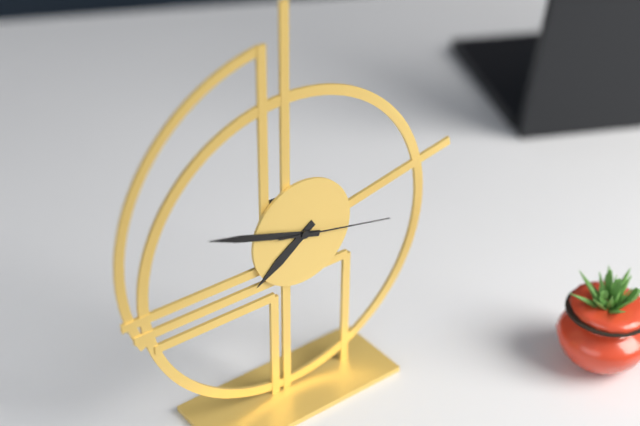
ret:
7:48:17
